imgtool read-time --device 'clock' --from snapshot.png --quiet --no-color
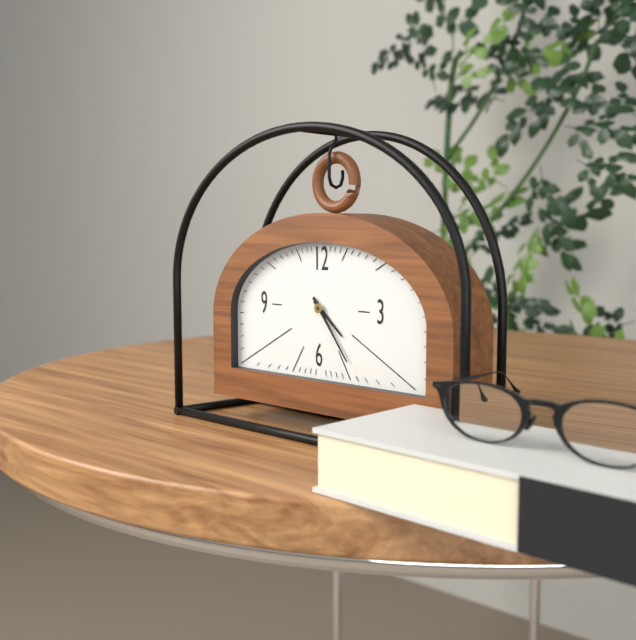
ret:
4:24
